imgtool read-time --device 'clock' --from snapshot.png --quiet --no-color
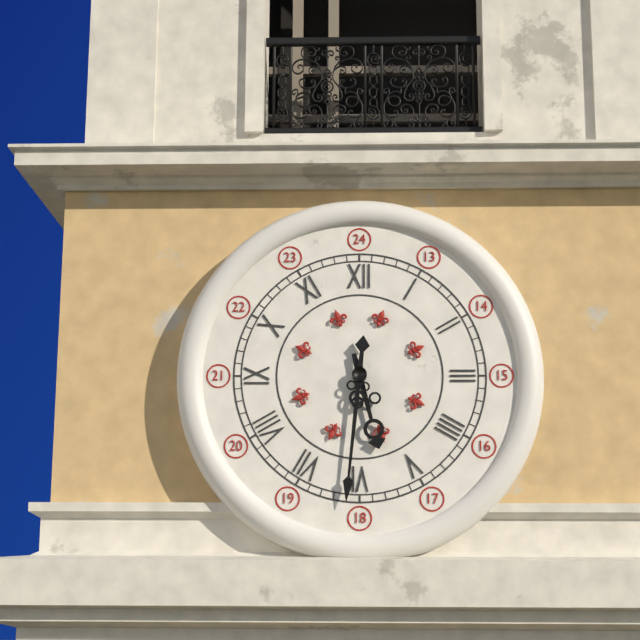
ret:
5:31
